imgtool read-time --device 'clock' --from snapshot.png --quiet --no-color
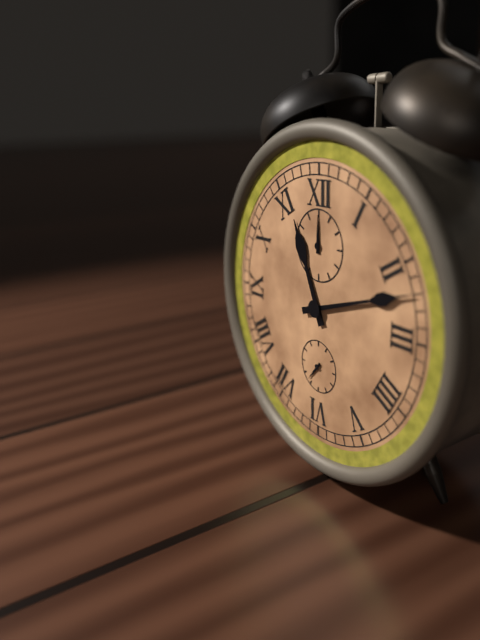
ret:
11:12
